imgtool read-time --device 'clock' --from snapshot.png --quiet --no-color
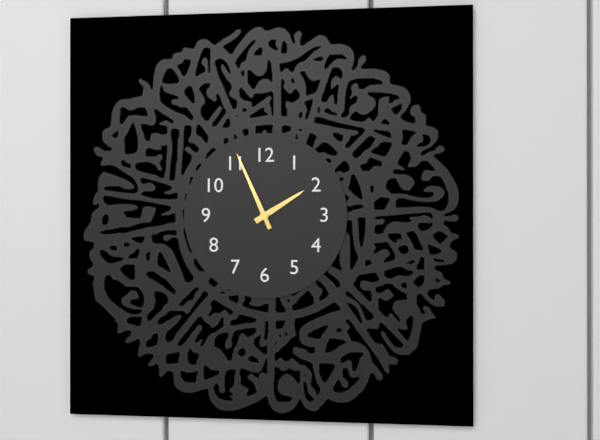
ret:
1:56
